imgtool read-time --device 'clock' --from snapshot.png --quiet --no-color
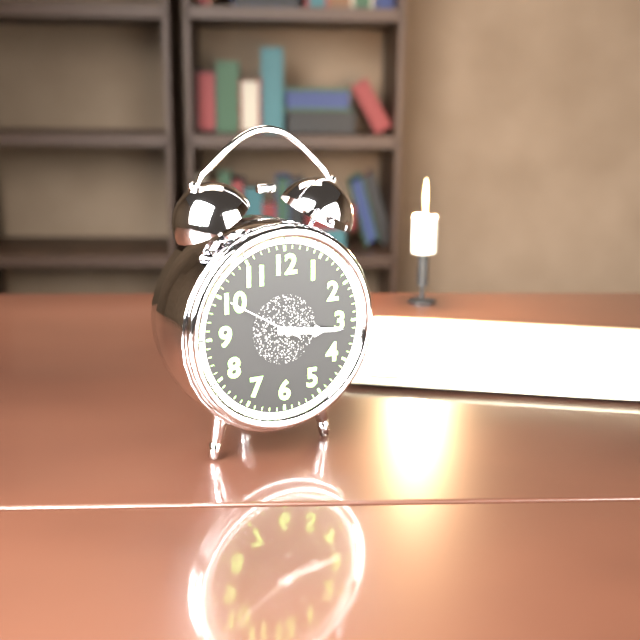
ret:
3:16:50
